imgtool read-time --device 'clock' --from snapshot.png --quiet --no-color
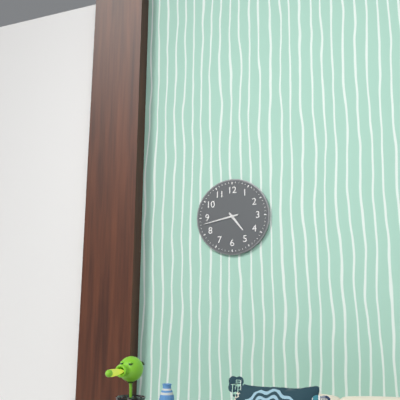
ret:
4:43
